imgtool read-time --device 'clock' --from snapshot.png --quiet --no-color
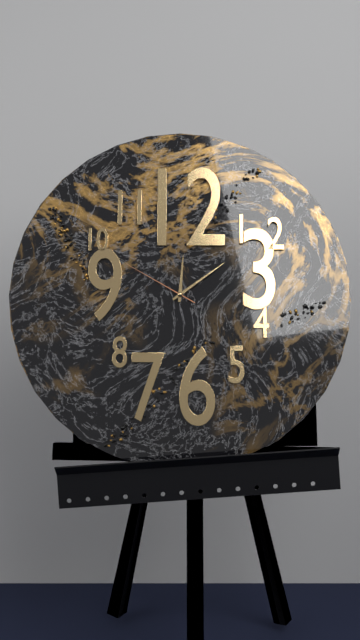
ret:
12:09:50
